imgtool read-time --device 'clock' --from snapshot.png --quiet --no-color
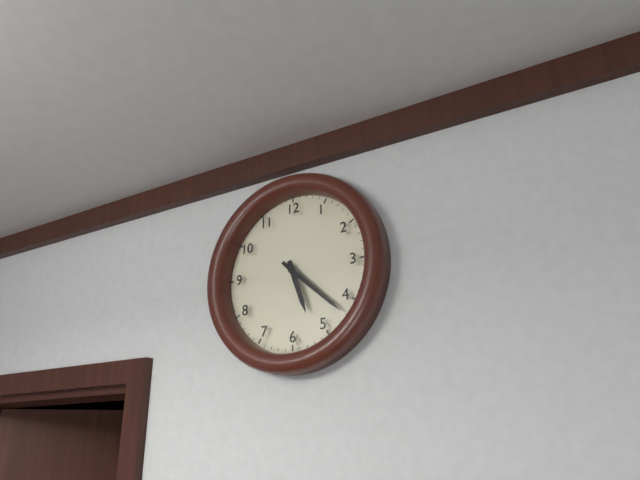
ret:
5:22
